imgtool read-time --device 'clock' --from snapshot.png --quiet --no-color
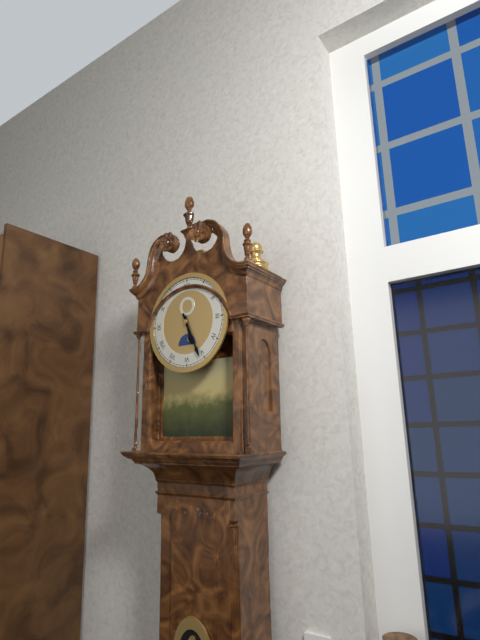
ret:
5:26
